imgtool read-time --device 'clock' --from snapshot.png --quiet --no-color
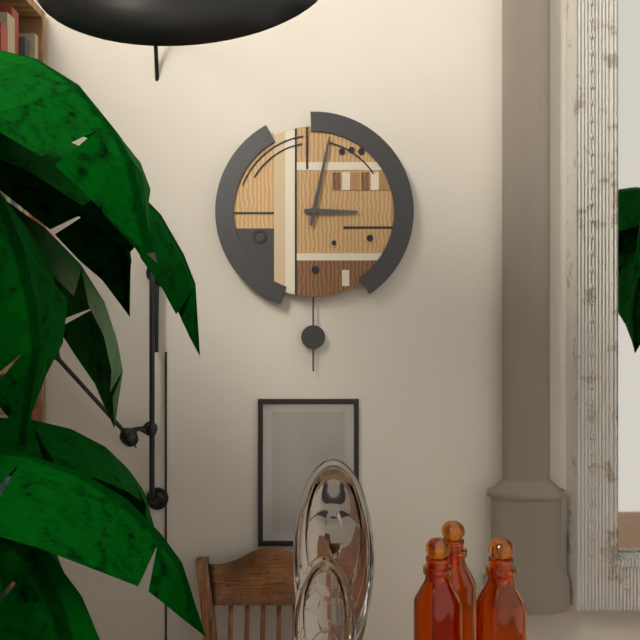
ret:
3:02
